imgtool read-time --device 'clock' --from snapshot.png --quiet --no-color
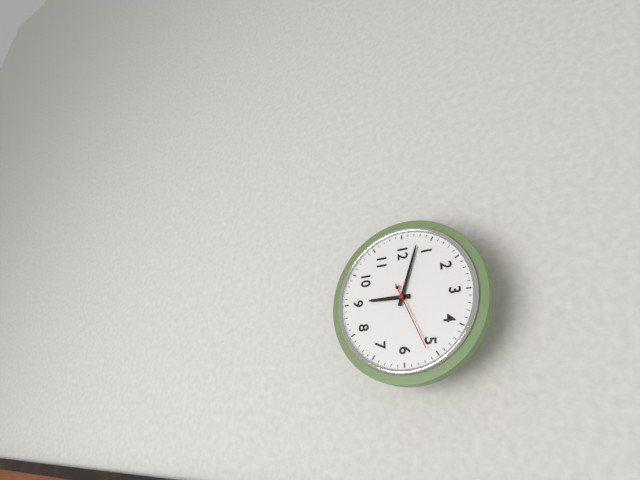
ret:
9:03:26
